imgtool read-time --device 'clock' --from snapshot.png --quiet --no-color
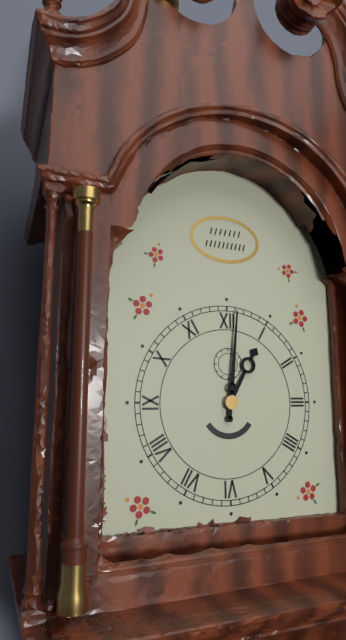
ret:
1:01
